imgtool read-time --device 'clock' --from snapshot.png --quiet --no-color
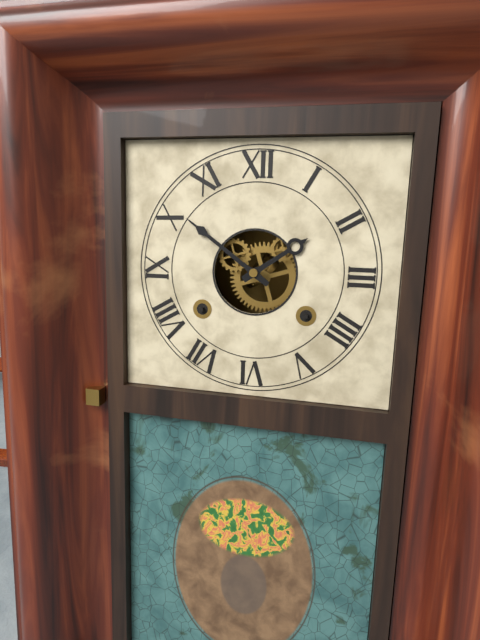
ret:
1:51
